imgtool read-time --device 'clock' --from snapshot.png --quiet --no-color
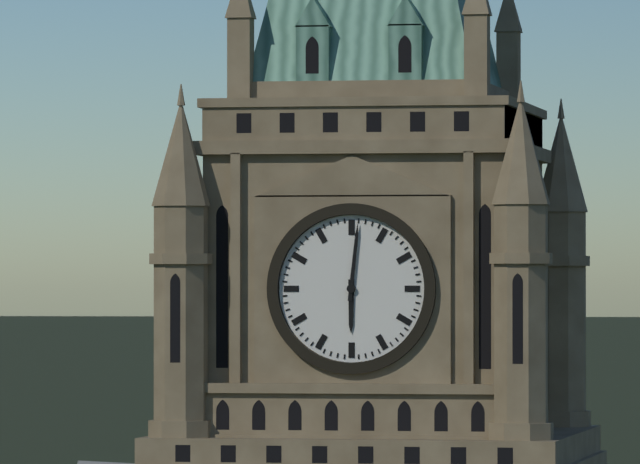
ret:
6:01
